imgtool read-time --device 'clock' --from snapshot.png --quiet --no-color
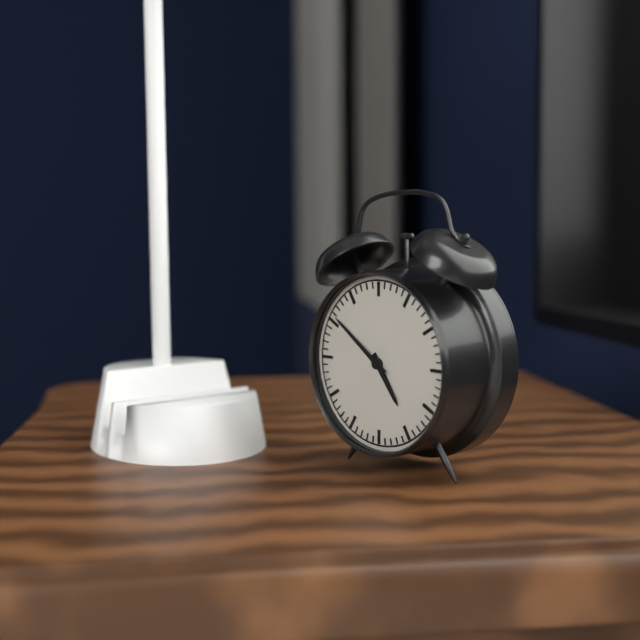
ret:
4:51
